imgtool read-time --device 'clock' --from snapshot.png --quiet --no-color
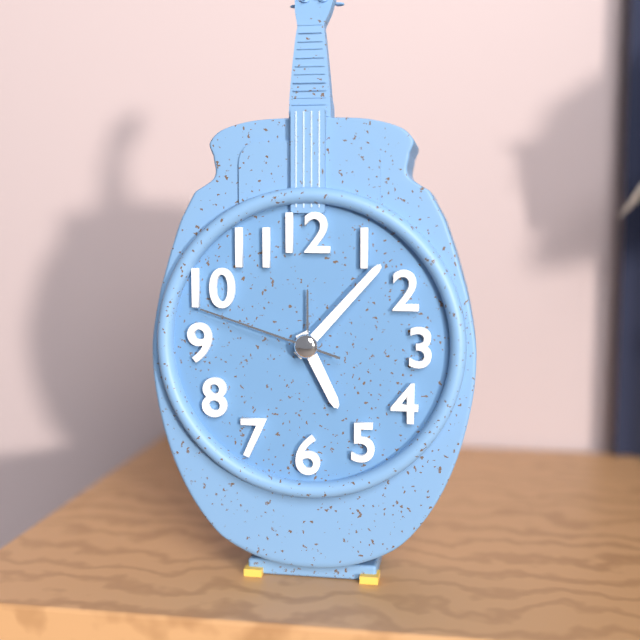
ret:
5:07:48
